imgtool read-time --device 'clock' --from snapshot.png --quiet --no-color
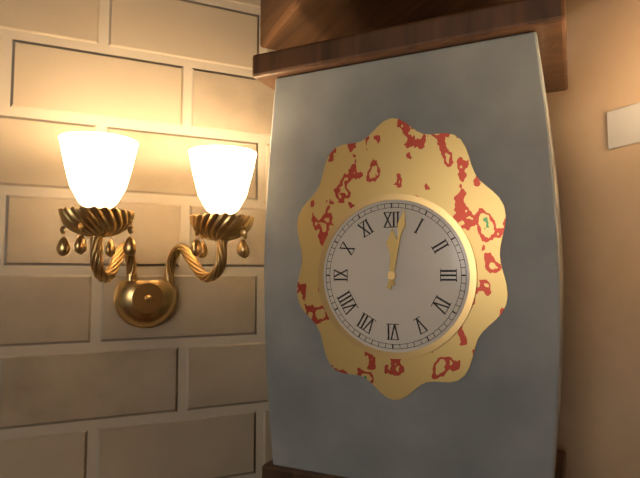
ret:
12:02
